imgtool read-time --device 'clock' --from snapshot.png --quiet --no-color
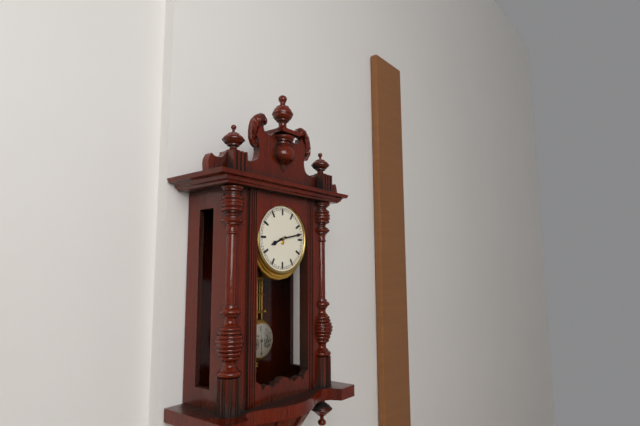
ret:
8:13
